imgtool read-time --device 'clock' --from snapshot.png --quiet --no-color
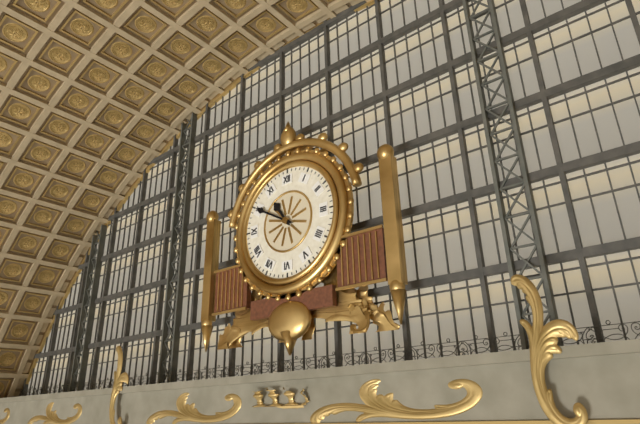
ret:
10:50
